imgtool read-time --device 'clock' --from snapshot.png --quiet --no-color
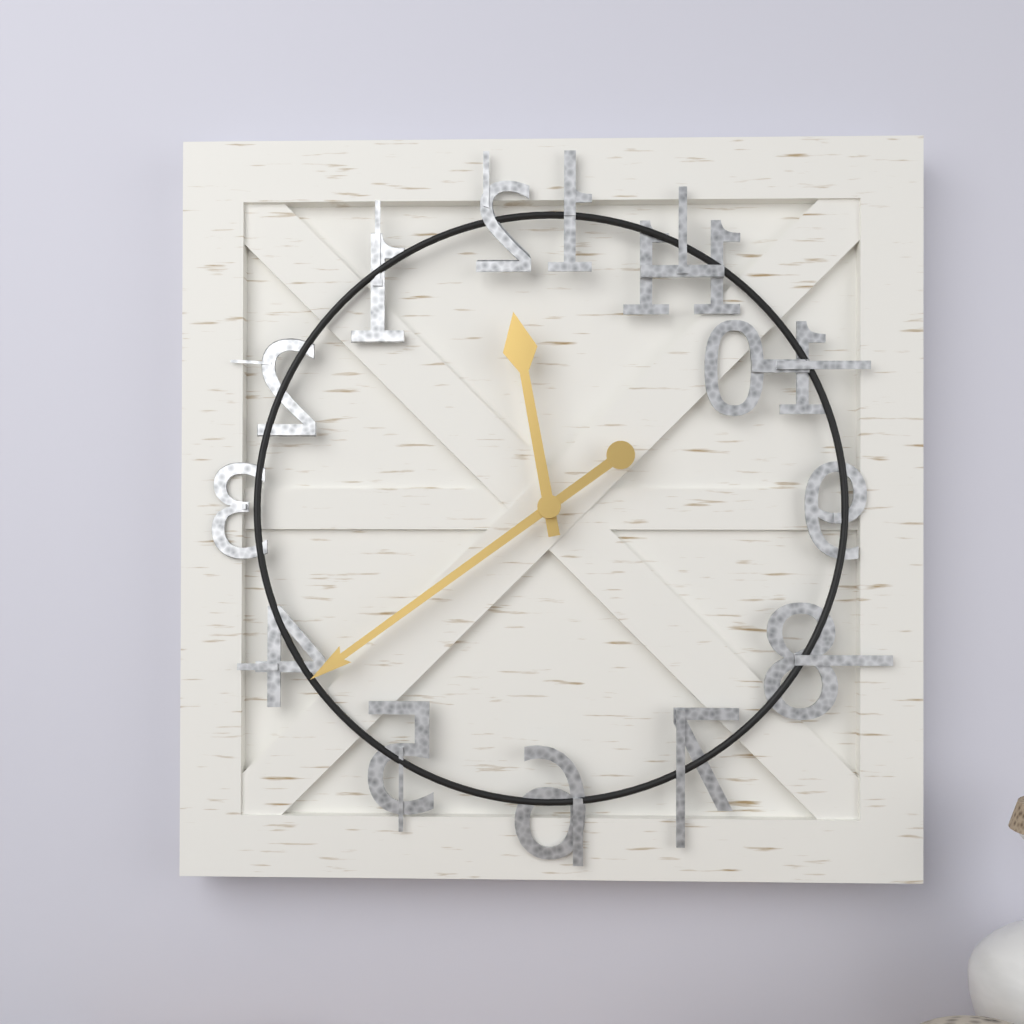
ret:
11:39
